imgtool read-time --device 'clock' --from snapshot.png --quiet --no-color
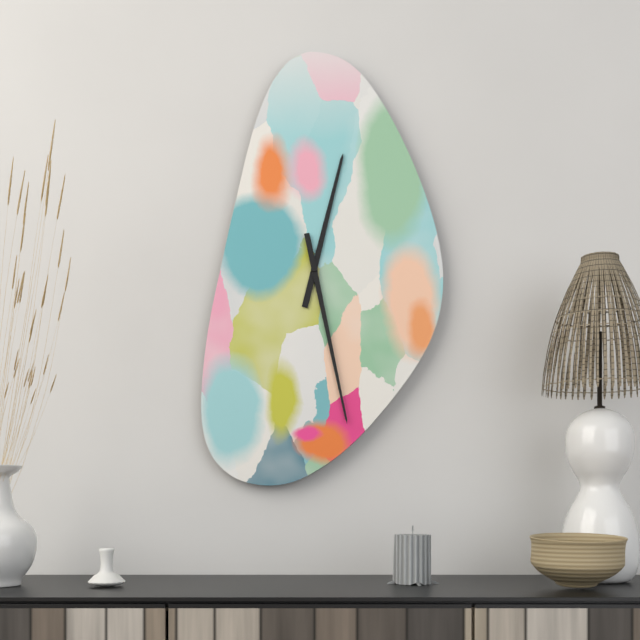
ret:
12:28
